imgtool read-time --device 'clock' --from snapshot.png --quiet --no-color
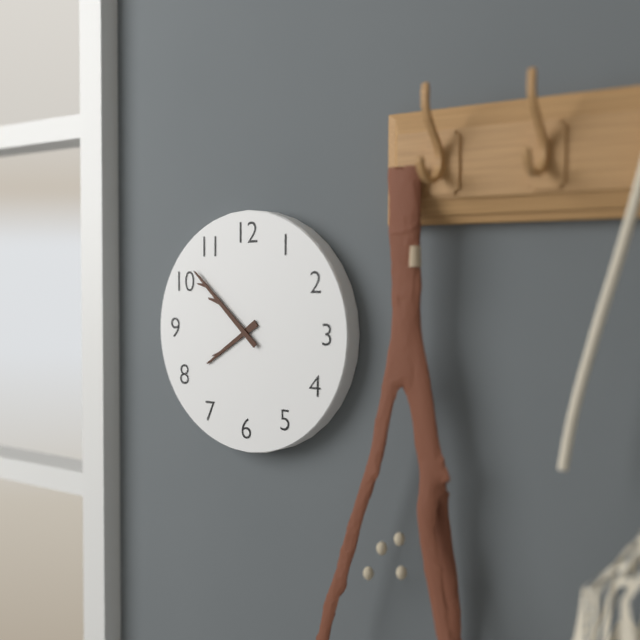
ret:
7:52
